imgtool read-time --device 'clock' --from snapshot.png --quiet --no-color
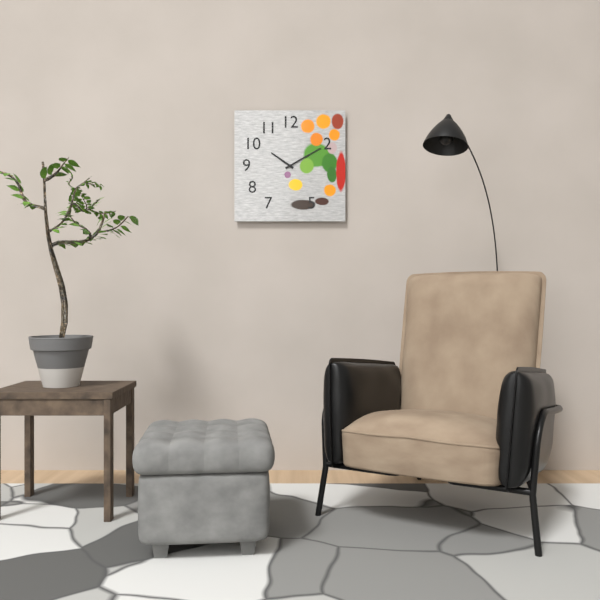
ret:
10:10
